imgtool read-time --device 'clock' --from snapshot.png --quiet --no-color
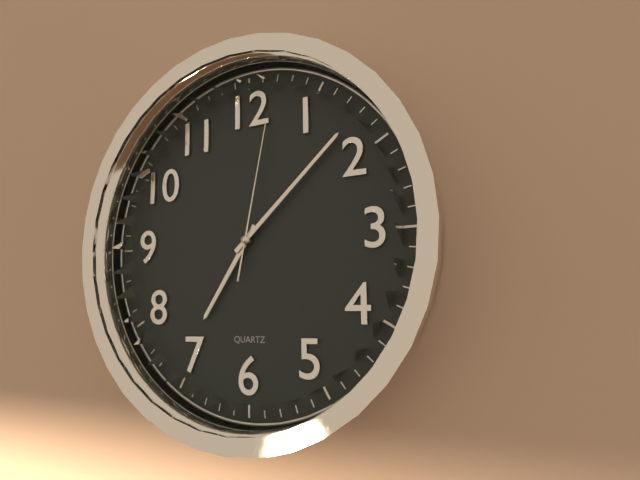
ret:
7:08:02
